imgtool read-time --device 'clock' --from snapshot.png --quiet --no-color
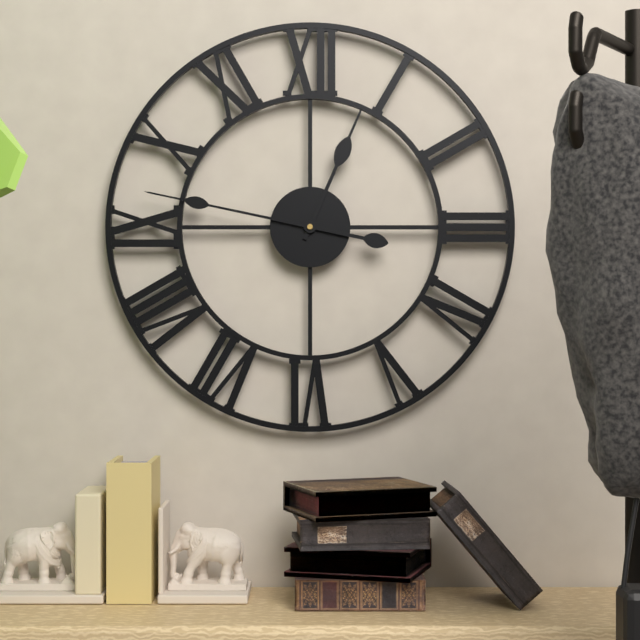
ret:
12:47
